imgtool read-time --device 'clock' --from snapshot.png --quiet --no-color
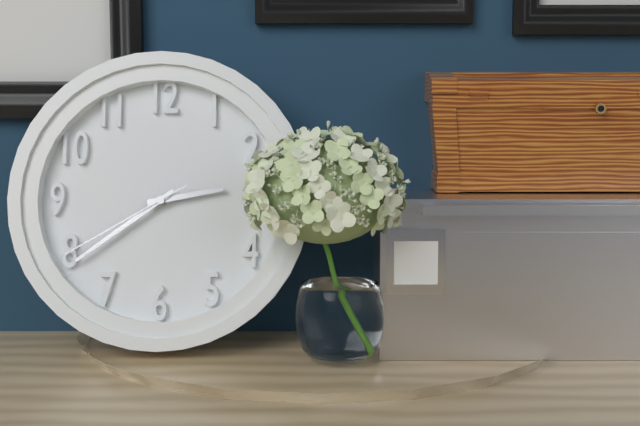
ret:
2:39:40
